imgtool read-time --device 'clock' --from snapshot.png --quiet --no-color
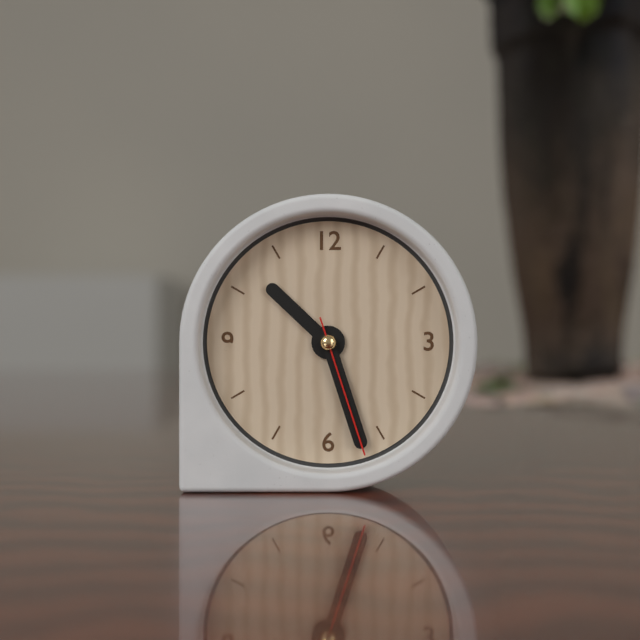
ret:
10:27:27
